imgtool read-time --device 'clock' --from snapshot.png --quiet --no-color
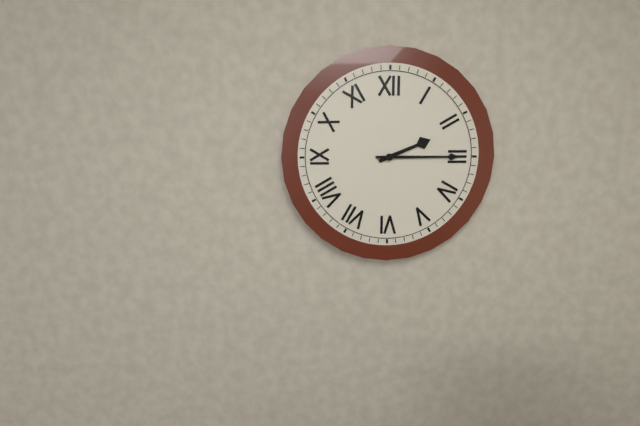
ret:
2:15
